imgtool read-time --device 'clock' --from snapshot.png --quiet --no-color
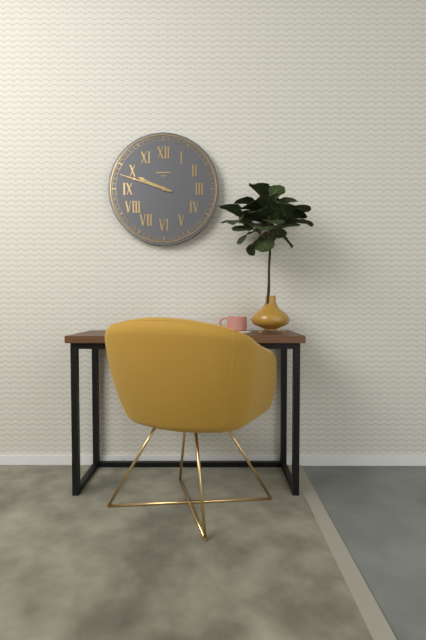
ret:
9:48
